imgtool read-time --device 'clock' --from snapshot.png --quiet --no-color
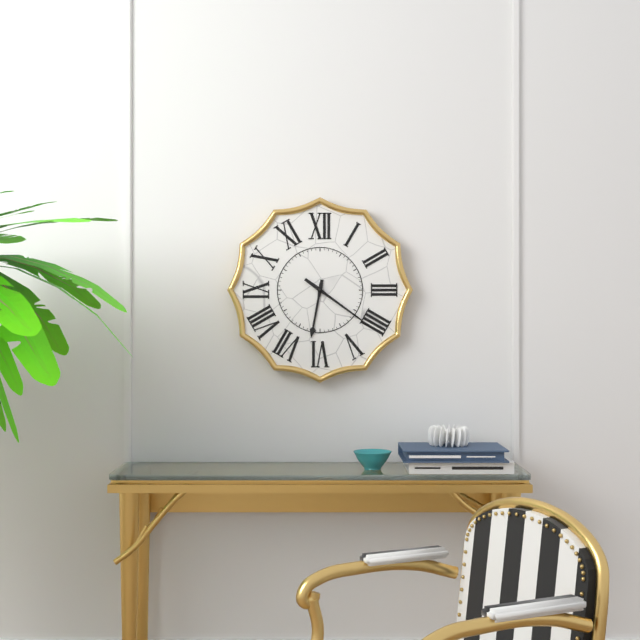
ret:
6:21
